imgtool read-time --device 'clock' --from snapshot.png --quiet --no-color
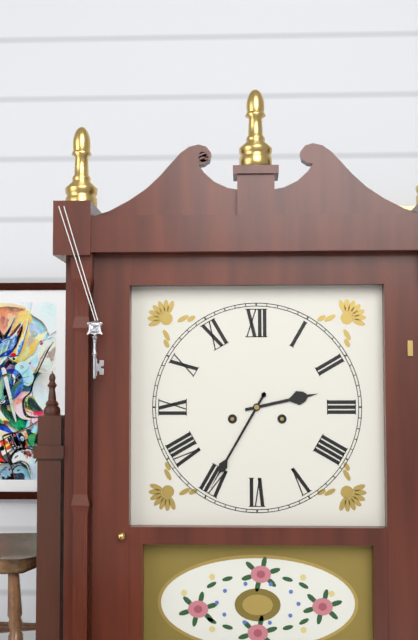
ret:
2:35
